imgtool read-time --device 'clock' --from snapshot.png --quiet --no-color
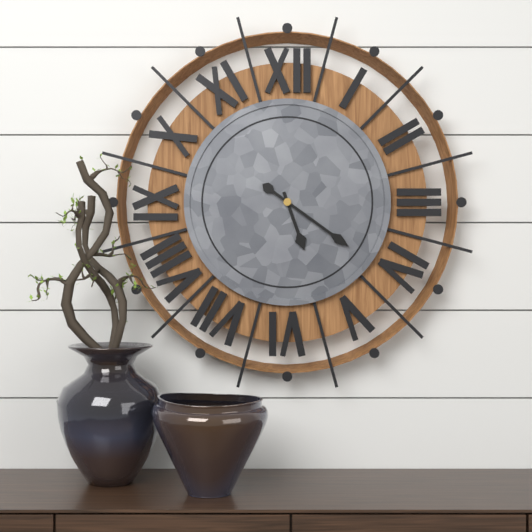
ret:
5:21
